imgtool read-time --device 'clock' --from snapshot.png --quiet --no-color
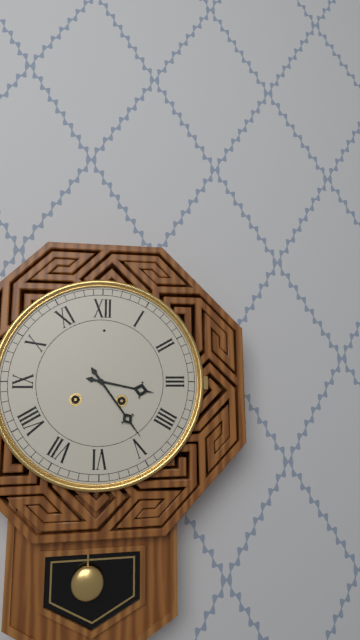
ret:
3:24
